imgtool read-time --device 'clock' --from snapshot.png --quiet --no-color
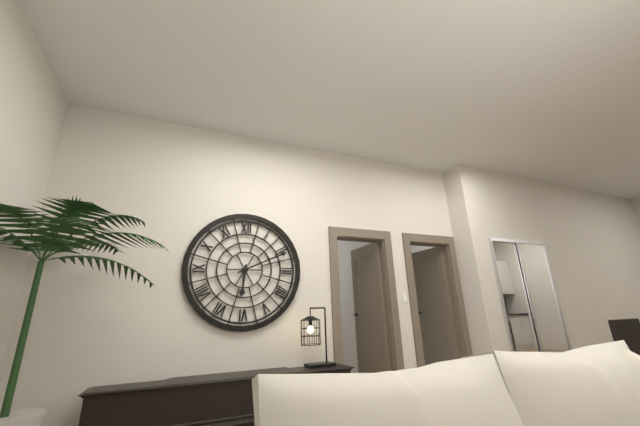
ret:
6:11
